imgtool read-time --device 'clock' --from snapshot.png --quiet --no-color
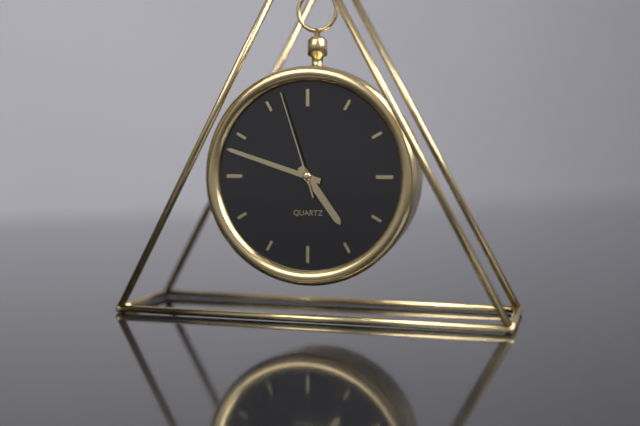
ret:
4:48:57
